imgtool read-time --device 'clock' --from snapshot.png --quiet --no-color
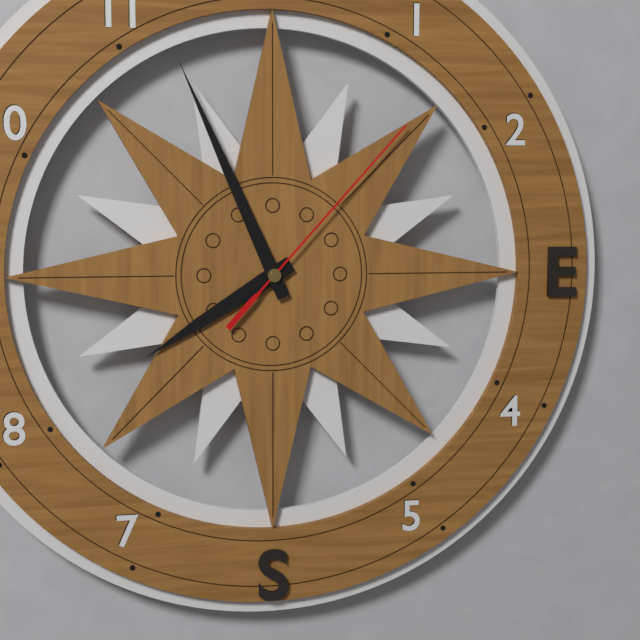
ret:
7:56:07
